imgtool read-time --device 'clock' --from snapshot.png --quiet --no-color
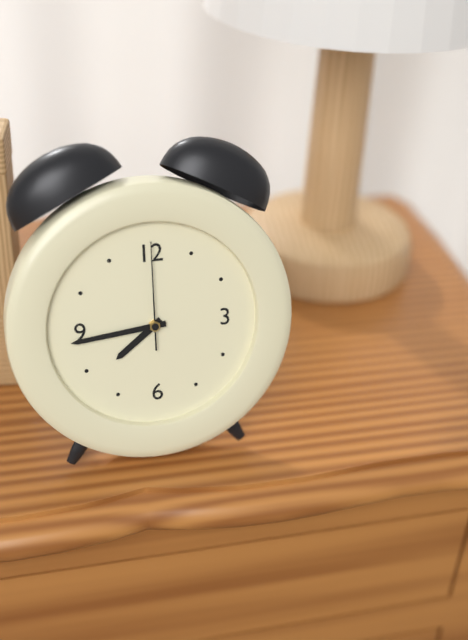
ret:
7:44:00
